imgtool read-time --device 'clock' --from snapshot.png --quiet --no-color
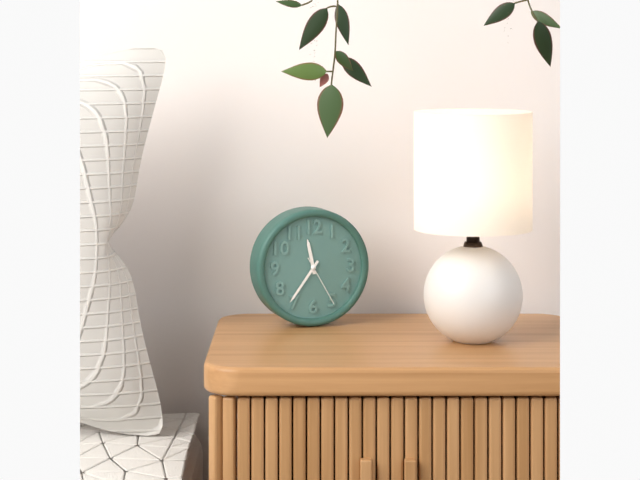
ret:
11:36:25
